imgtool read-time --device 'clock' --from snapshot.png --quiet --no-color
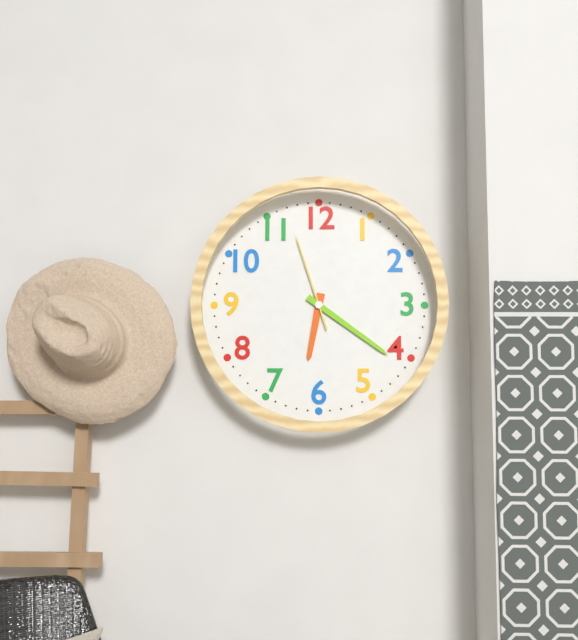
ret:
6:21:57
